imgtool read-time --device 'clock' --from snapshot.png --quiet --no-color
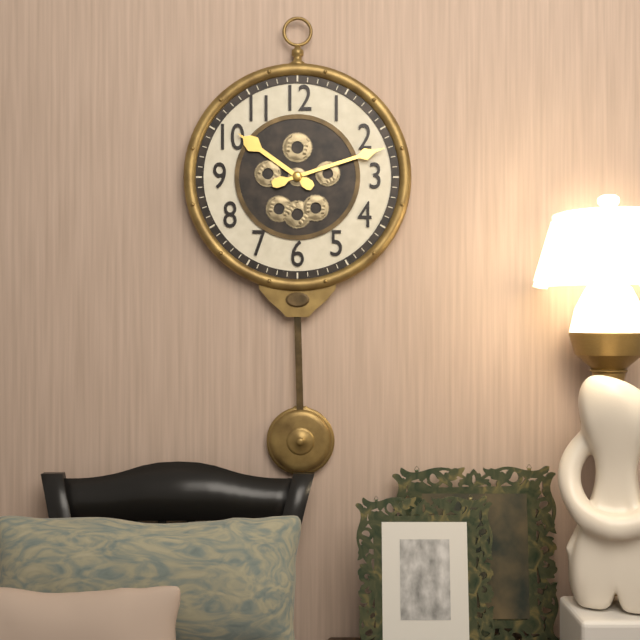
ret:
10:12
